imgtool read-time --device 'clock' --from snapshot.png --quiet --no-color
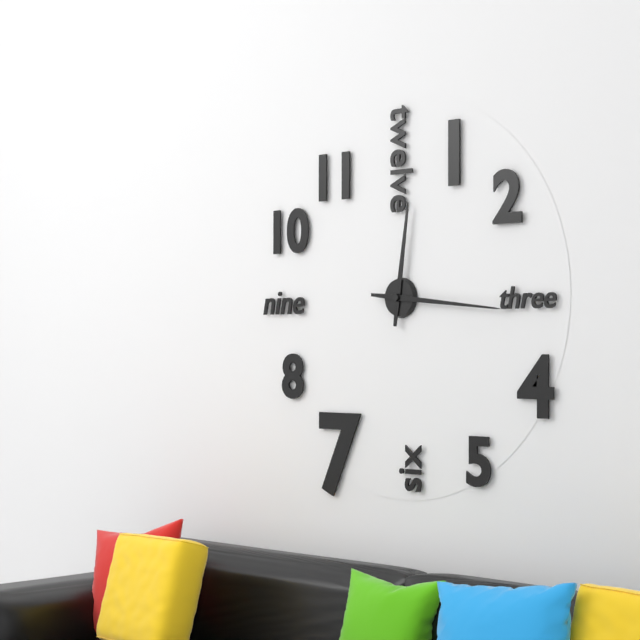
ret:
12:16
